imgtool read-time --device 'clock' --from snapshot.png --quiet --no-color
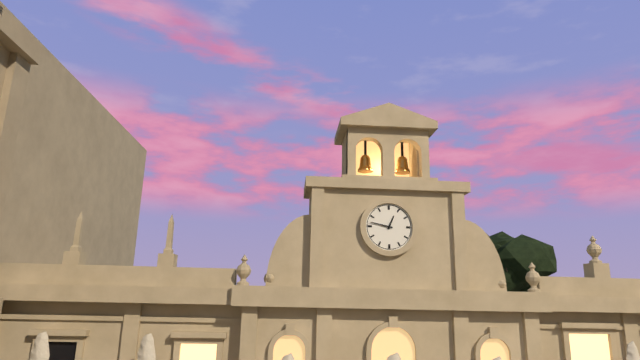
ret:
12:47
